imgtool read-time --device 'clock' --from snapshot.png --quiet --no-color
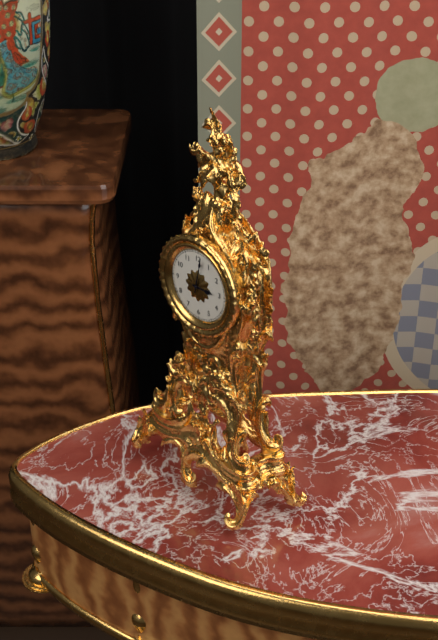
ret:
3:02
